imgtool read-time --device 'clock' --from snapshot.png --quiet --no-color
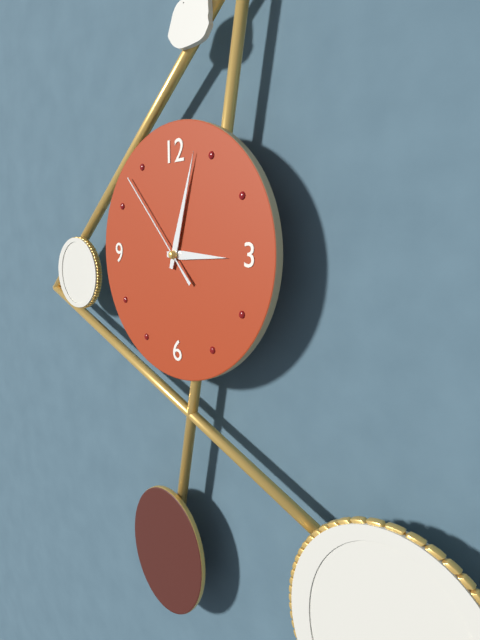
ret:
3:03:53
